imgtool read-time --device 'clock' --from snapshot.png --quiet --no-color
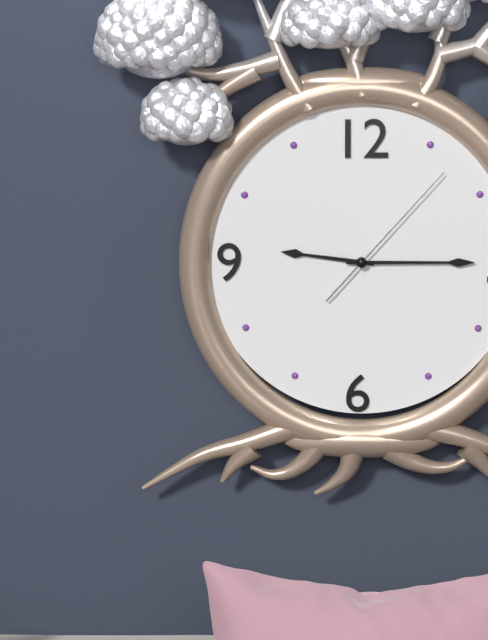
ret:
9:15:07
